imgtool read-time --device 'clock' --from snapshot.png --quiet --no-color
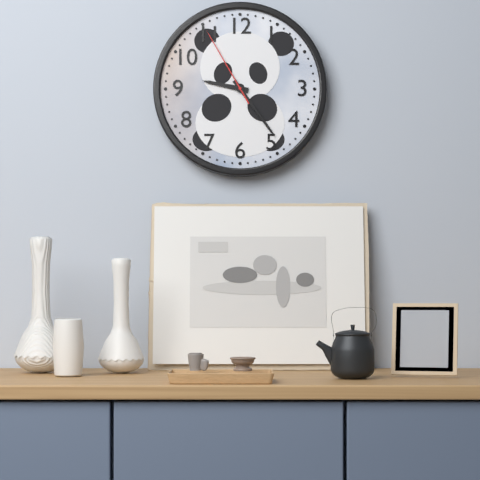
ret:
9:24:55
